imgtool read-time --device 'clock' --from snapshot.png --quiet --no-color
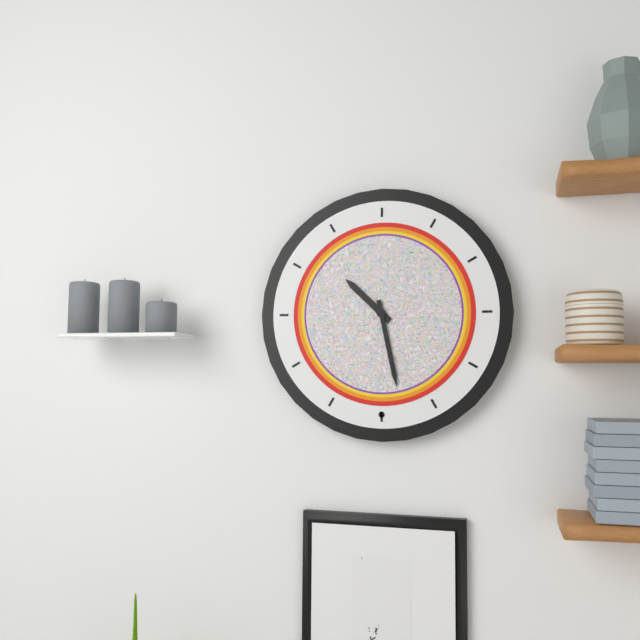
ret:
10:28
